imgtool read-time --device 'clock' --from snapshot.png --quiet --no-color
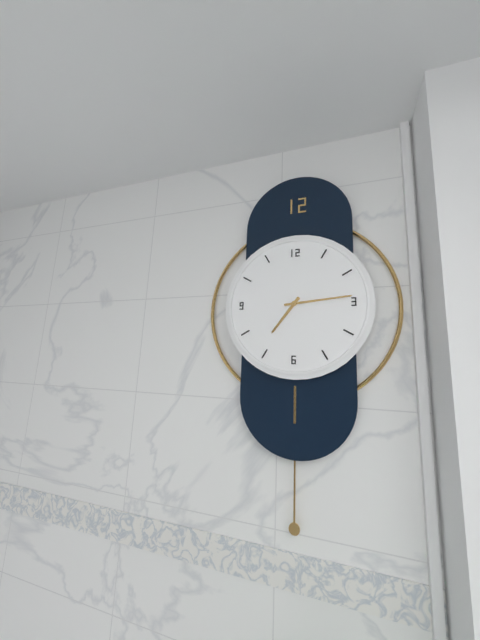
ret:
7:14
